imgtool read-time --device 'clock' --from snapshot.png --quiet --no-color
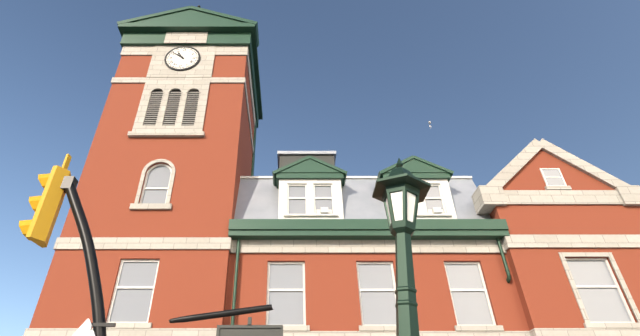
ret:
10:51
